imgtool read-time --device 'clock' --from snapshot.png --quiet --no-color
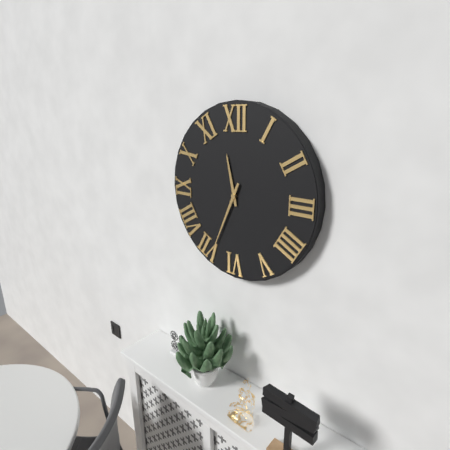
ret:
11:34
